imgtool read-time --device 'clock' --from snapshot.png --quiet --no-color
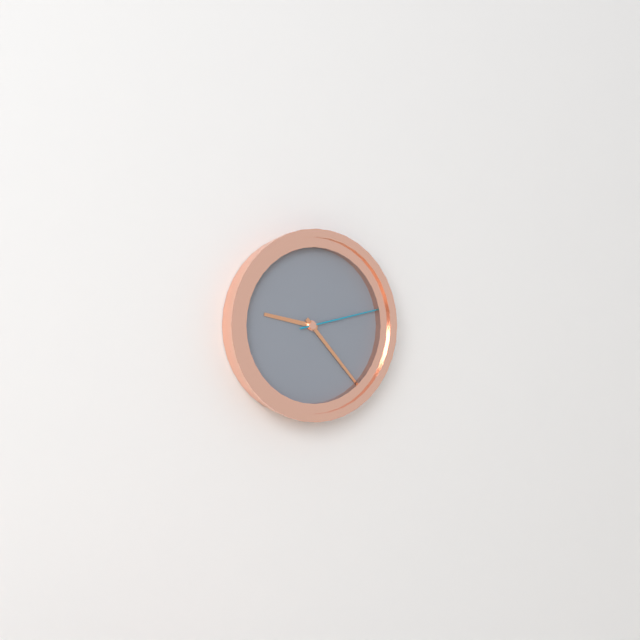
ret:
9:23:13
